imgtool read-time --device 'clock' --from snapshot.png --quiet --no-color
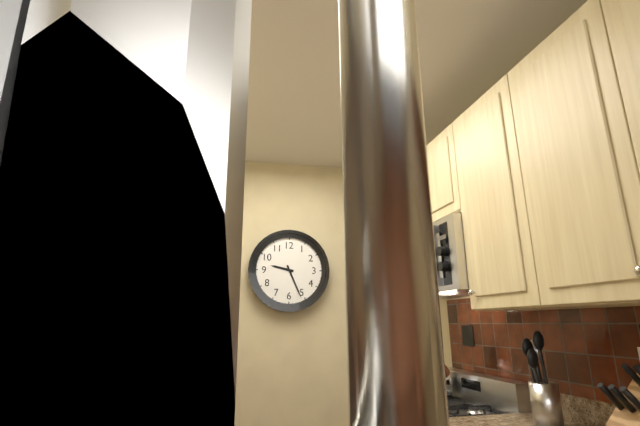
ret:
9:26
